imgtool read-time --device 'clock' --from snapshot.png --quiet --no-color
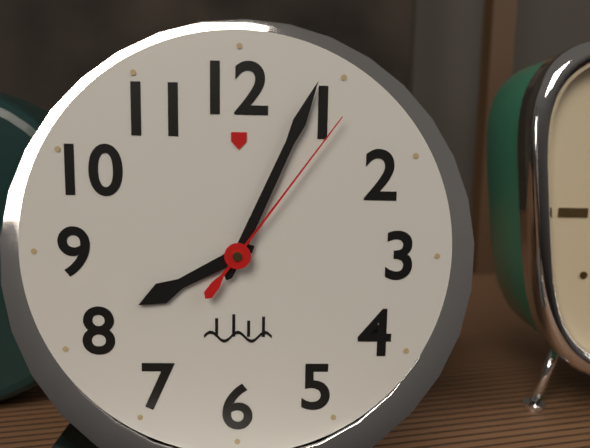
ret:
8:04:06
